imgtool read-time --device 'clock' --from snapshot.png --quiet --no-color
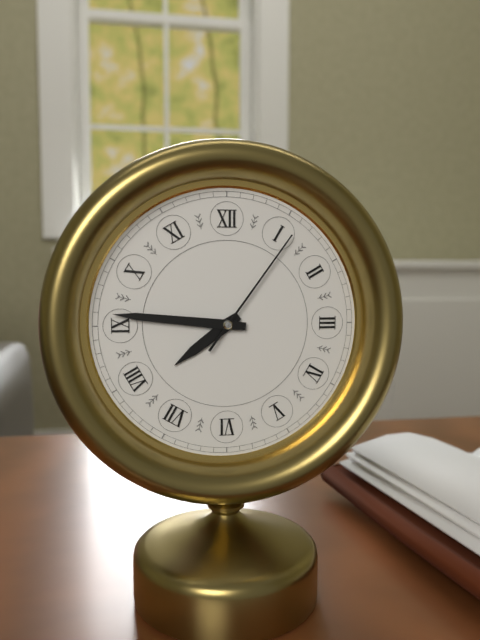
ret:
7:46:06
